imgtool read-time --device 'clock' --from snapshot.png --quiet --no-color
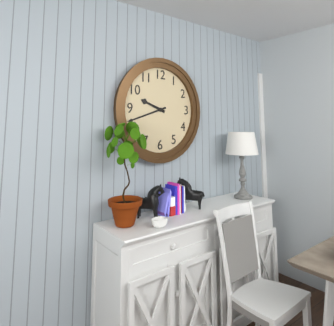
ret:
9:42
